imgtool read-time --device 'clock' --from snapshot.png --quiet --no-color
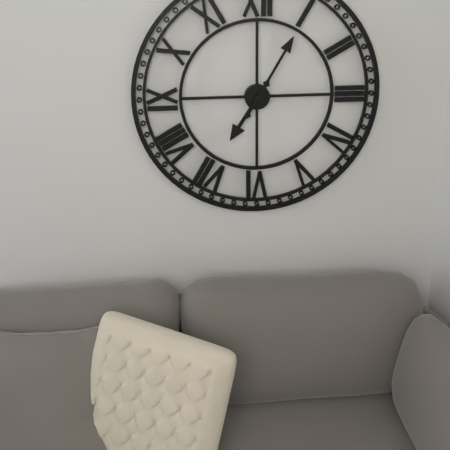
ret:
7:05
